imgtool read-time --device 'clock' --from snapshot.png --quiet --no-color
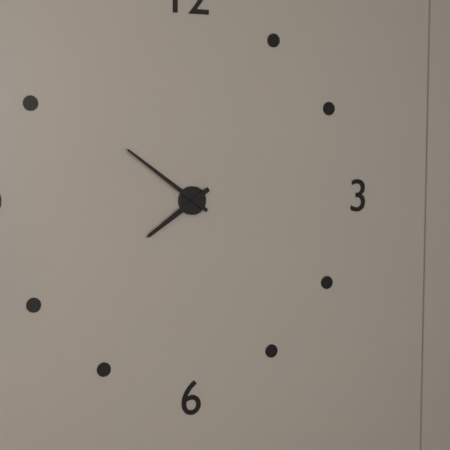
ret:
7:51
